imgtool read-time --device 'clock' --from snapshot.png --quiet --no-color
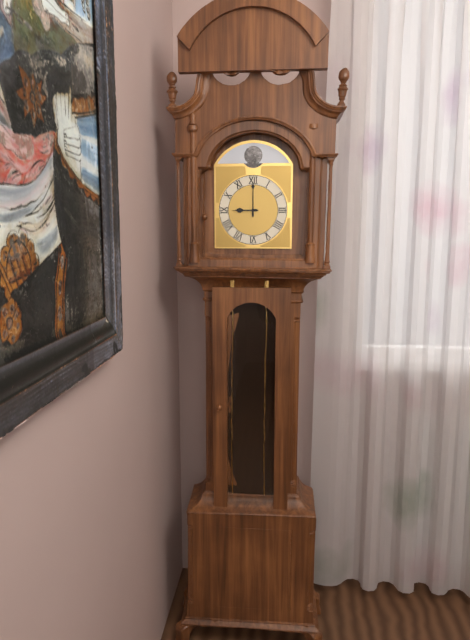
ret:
9:00
